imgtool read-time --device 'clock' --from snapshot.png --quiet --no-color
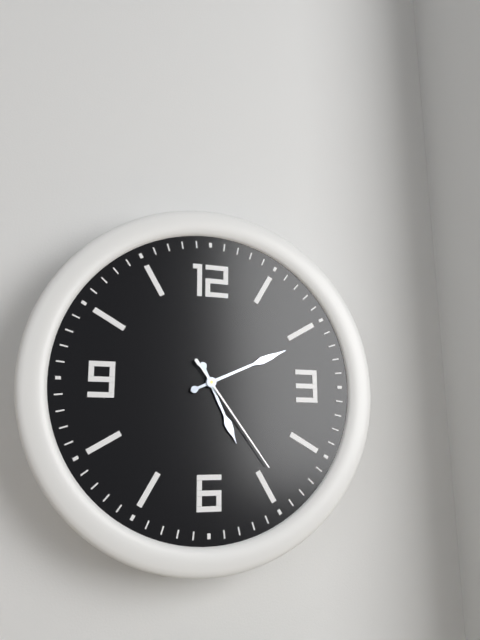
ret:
5:11:24
